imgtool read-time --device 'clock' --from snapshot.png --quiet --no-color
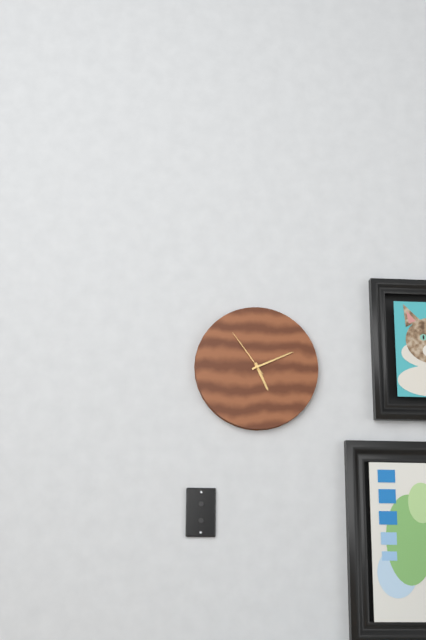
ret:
5:11:54
